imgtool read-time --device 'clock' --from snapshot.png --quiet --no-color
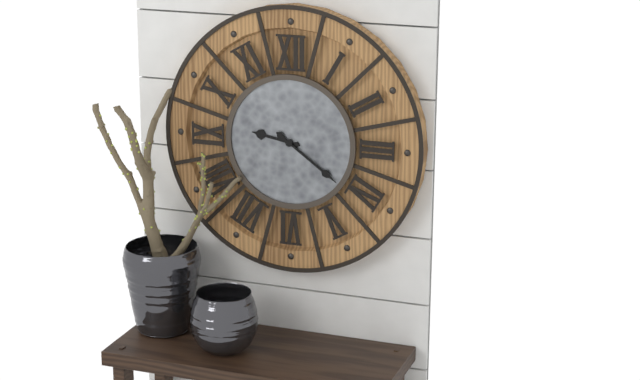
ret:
9:21
